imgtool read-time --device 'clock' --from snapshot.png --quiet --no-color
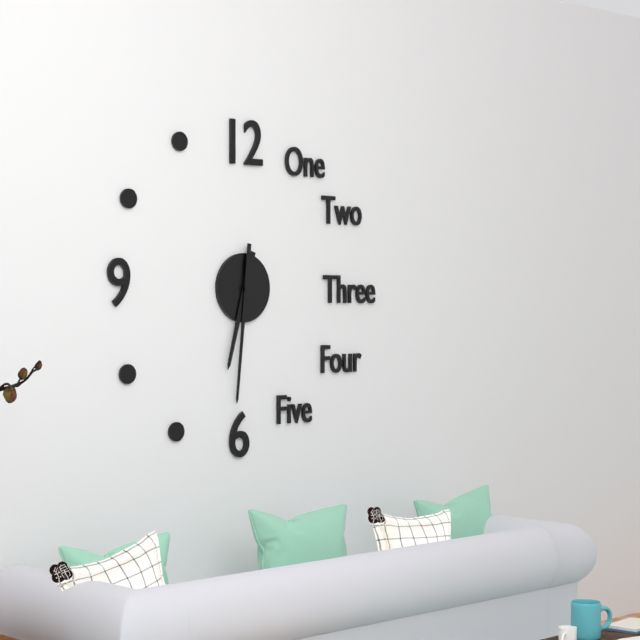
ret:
6:31
